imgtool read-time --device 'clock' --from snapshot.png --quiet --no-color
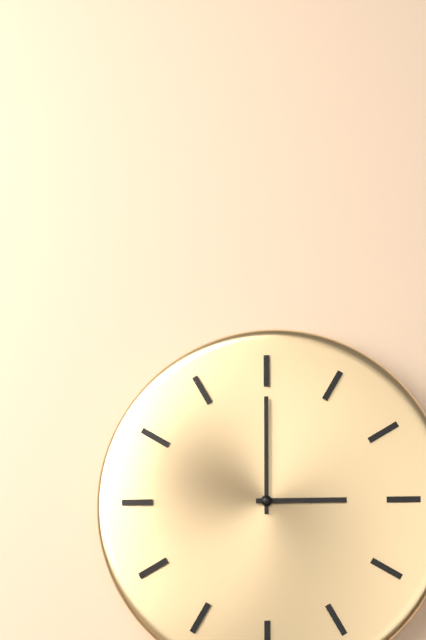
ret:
3:00
